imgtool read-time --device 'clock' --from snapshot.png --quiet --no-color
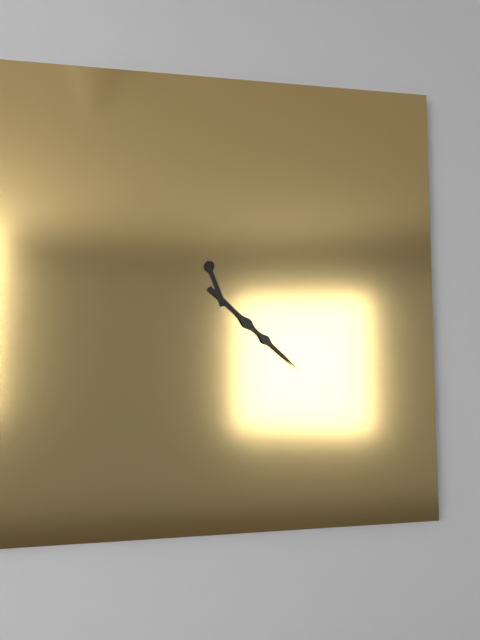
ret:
11:22
